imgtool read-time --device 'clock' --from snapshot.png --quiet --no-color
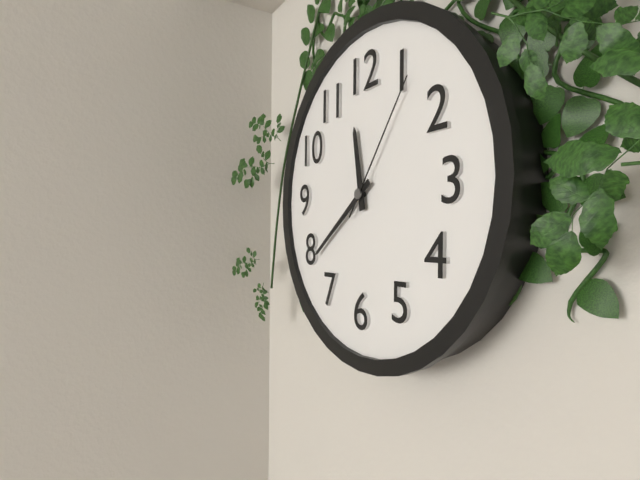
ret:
11:39:06
